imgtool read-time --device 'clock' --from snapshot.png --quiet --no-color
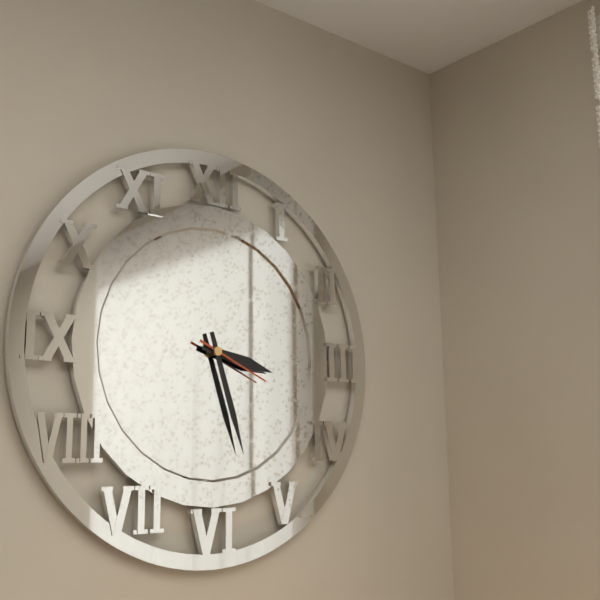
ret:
3:27:19
